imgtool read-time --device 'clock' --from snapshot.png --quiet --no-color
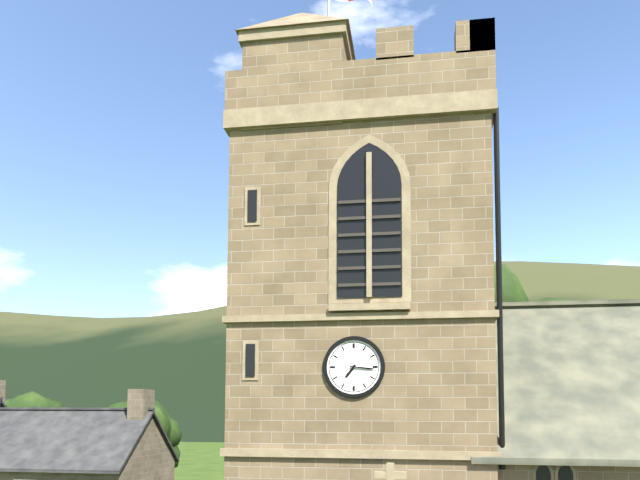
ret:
7:16
